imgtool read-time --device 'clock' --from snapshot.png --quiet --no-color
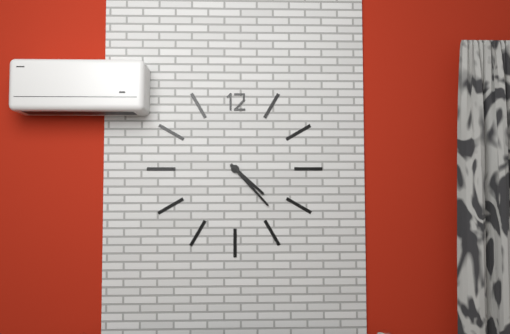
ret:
4:23
